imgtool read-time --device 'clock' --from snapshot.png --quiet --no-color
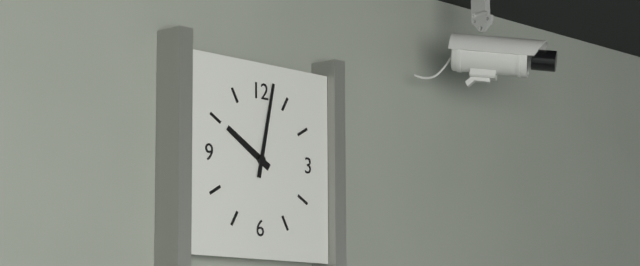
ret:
10:02
